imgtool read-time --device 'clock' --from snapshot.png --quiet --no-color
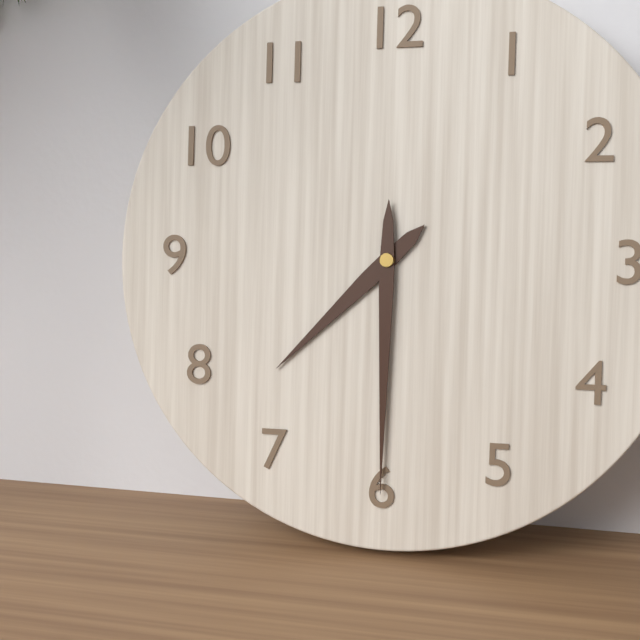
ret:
7:30
